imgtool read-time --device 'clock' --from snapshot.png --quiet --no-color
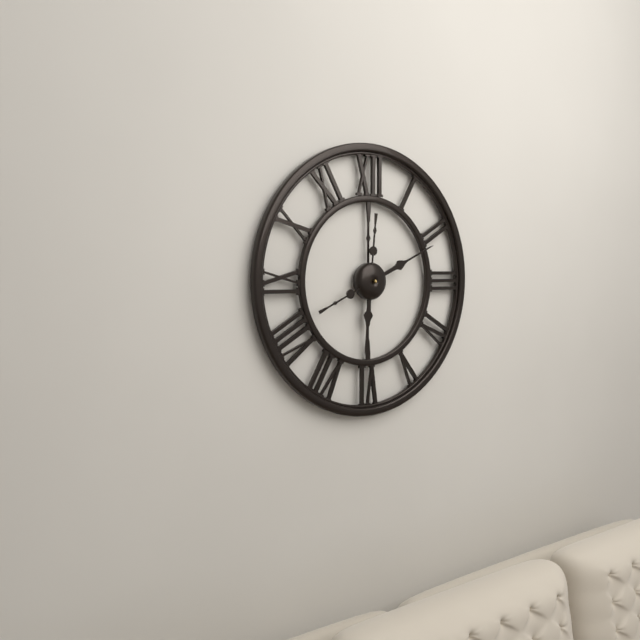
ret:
6:11
